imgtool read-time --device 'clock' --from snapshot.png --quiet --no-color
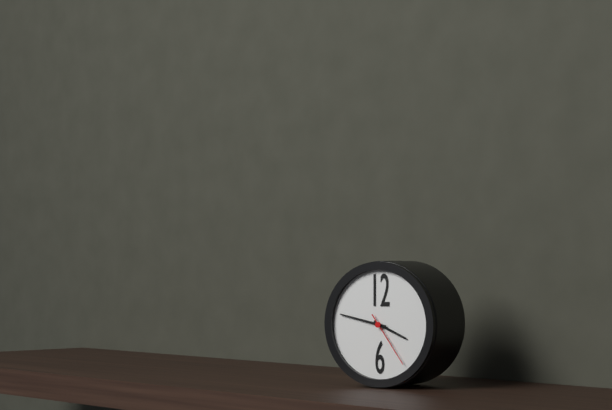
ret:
3:47:24
